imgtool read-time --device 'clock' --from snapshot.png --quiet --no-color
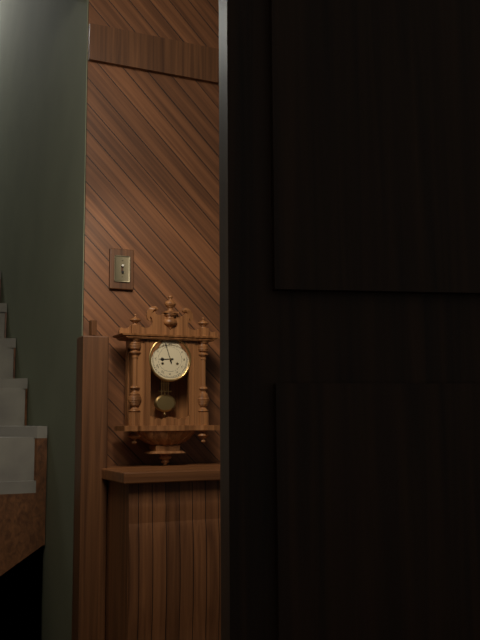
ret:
8:57
